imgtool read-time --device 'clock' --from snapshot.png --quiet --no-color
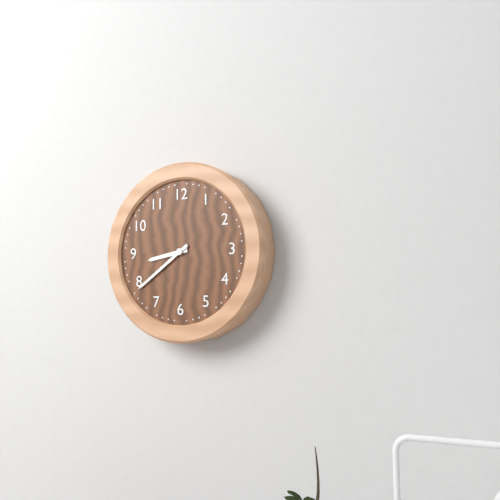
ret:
8:39
